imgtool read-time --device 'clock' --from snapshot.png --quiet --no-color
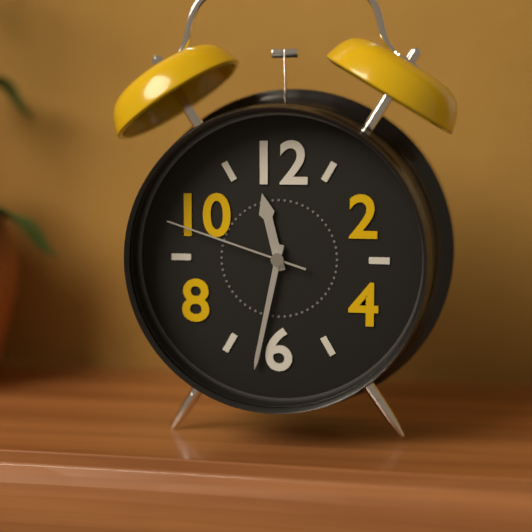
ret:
11:32:48
